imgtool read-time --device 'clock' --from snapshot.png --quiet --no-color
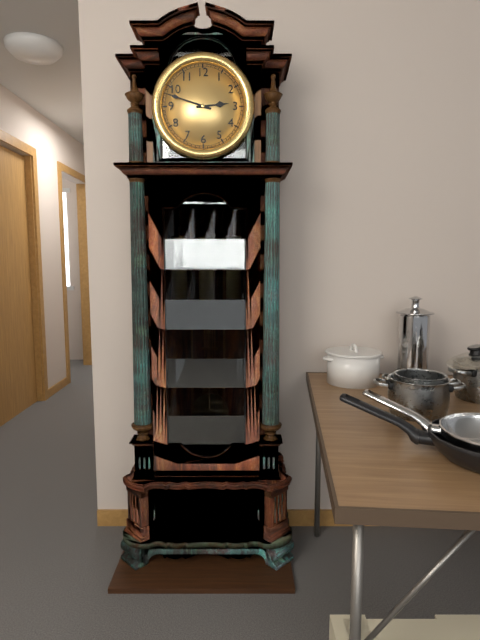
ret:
2:48
